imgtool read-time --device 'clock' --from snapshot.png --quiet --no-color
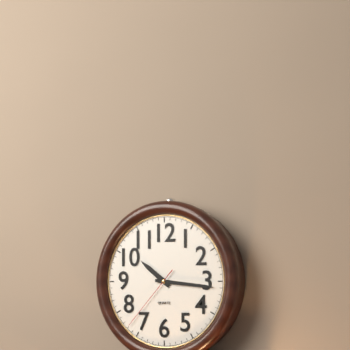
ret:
10:16:37
